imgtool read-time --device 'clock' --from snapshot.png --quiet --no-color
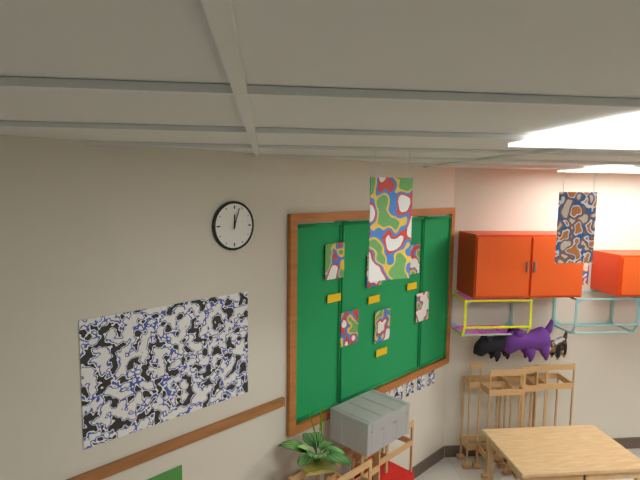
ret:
12:03
